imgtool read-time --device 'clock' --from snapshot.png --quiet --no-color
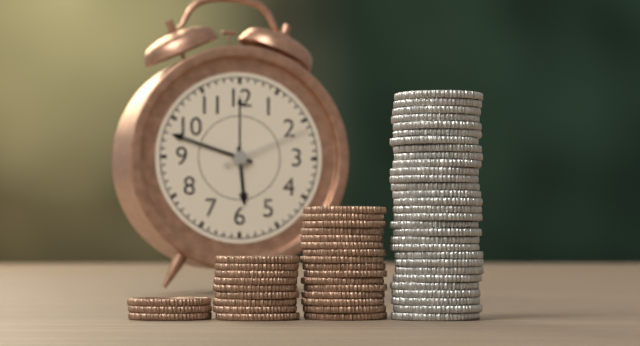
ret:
5:48:11
